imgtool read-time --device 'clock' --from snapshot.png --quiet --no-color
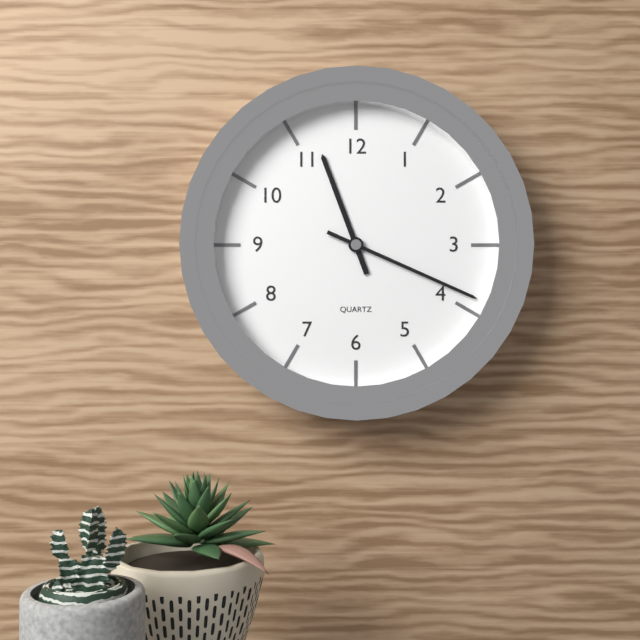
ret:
11:19
